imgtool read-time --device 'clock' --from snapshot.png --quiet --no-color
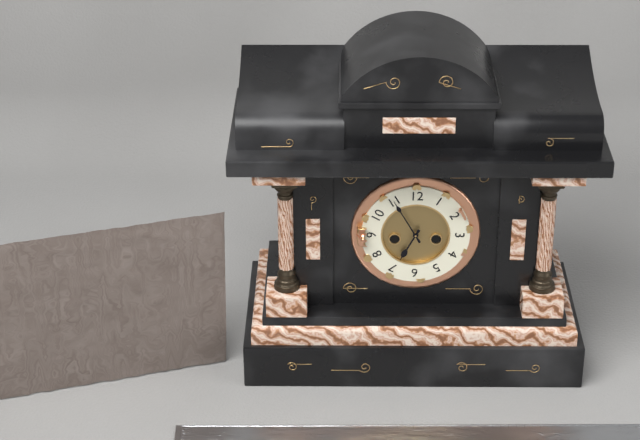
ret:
6:55
